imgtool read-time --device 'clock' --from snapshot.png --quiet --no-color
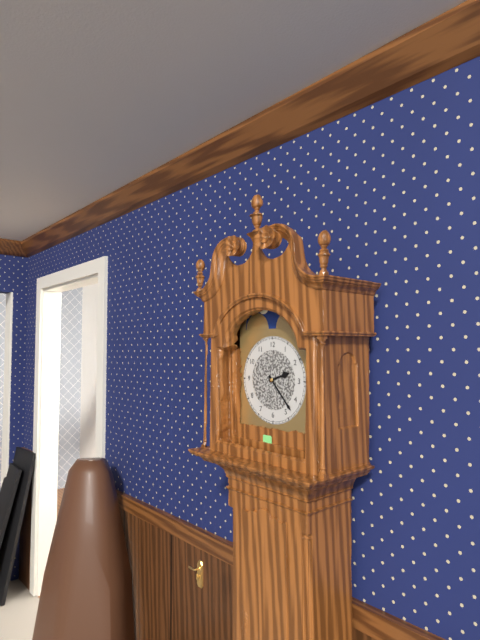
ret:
2:23
